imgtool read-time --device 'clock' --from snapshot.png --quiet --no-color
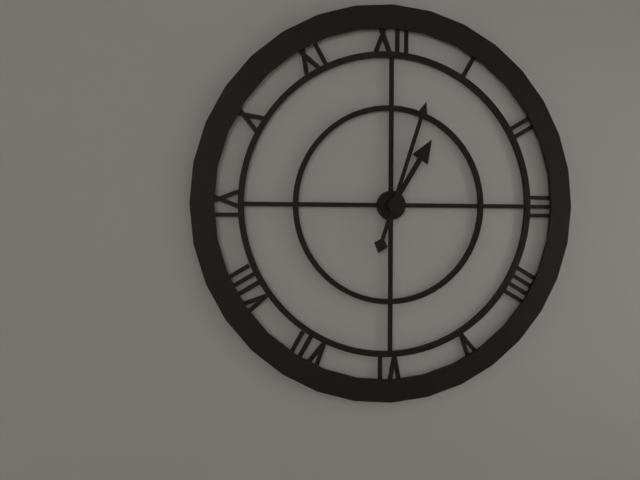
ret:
1:03
